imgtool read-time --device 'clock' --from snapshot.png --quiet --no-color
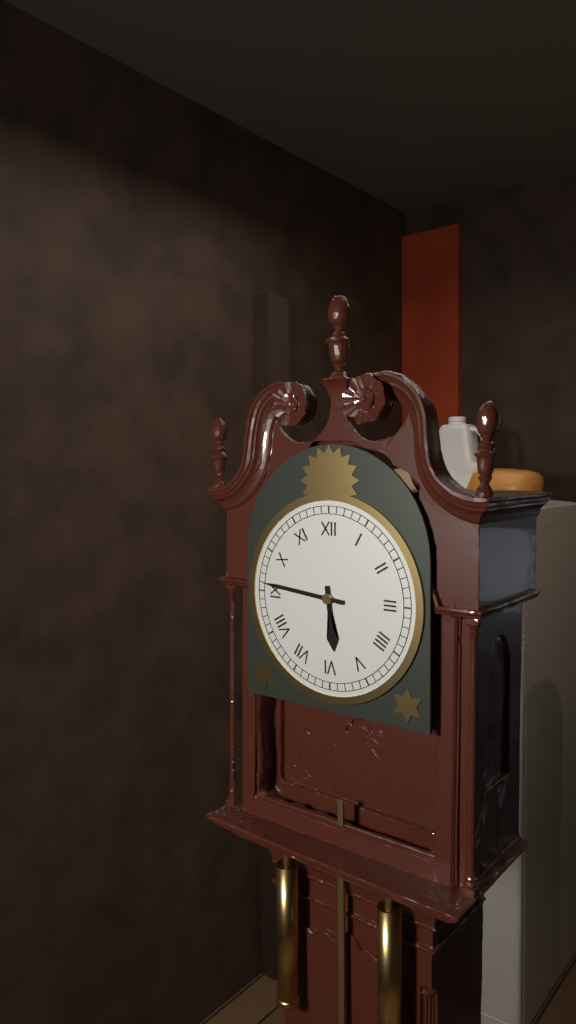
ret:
5:46
